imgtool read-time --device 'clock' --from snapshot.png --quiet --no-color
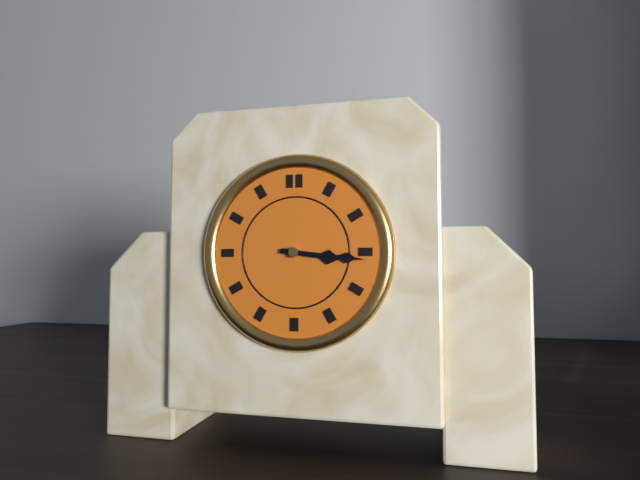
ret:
3:16
